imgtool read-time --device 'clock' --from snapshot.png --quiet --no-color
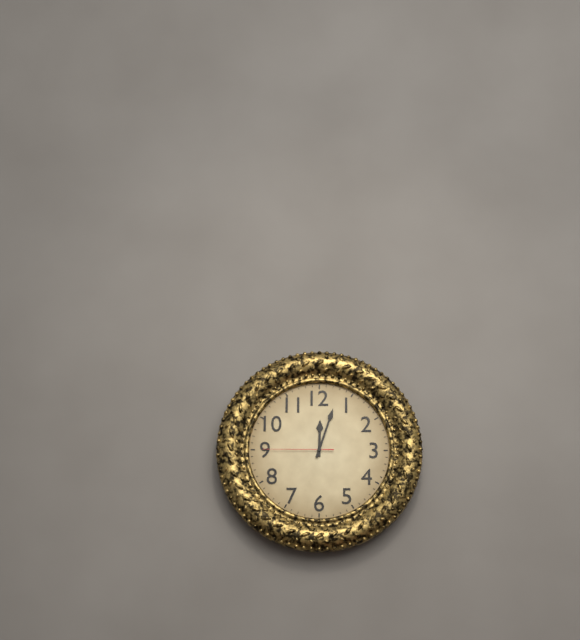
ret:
12:03:45
